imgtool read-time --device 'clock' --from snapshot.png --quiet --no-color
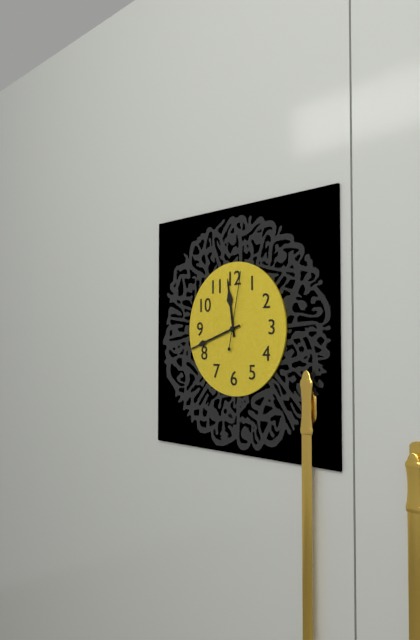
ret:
11:42:02
